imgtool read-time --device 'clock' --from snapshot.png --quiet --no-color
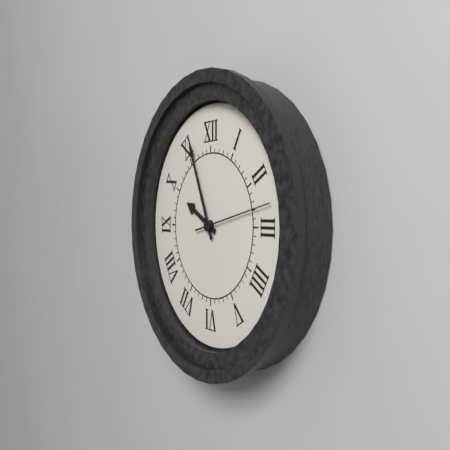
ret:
9:56:13
